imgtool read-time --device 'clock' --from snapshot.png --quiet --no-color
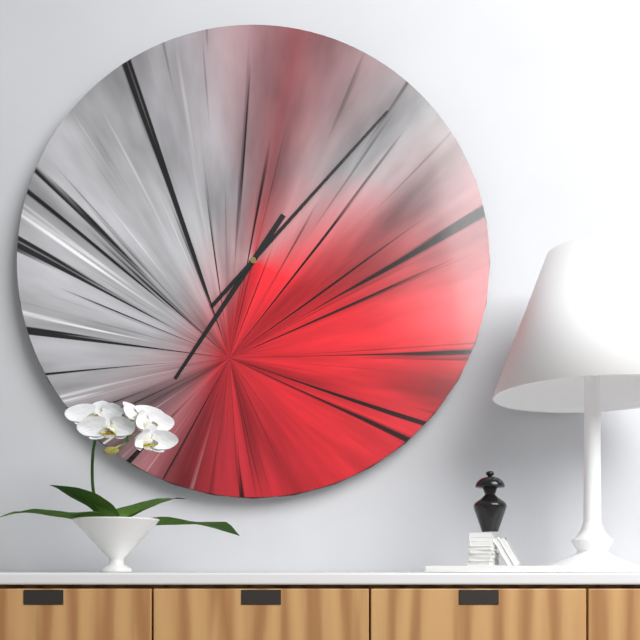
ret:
7:07
